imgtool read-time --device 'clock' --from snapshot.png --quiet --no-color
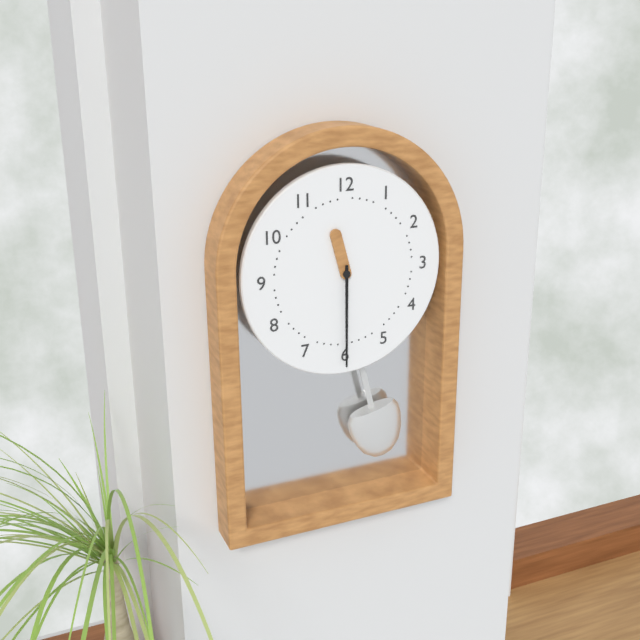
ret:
11:30
